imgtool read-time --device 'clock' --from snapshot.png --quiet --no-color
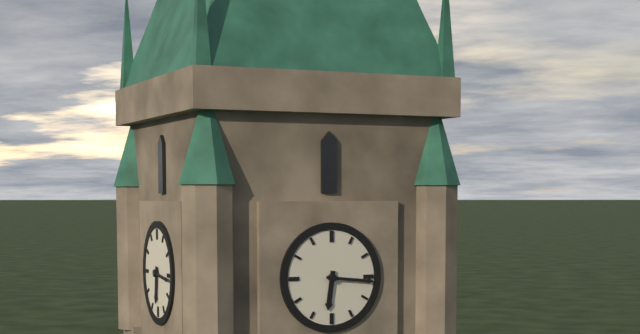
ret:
6:16
